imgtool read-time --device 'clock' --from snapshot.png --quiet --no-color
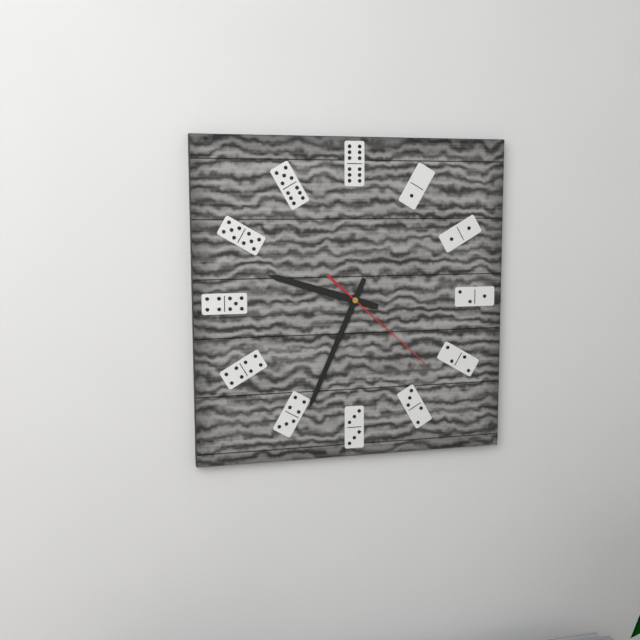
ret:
9:34:22
